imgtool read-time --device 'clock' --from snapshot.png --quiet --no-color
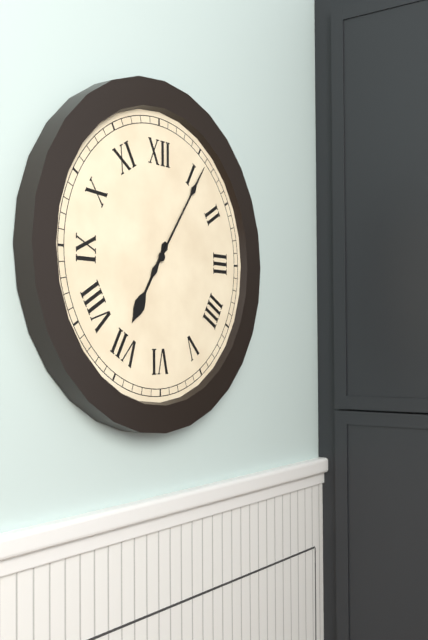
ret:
7:06
